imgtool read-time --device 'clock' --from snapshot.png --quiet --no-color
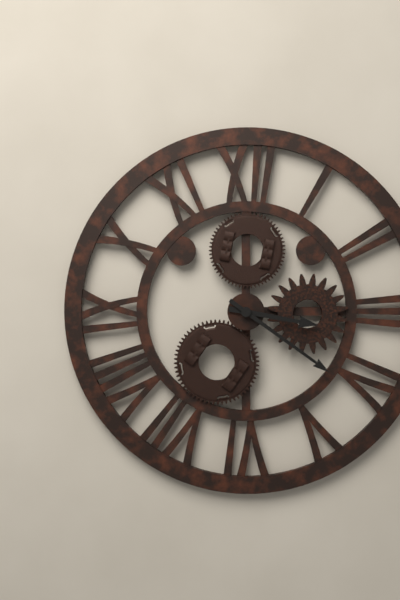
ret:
3:21
